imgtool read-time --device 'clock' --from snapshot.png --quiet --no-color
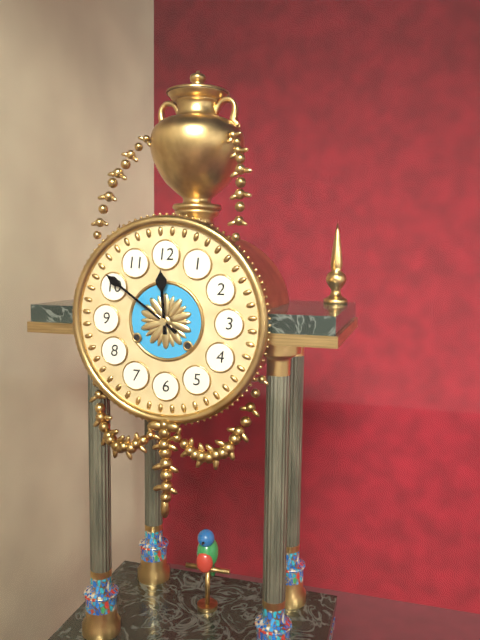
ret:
11:51
